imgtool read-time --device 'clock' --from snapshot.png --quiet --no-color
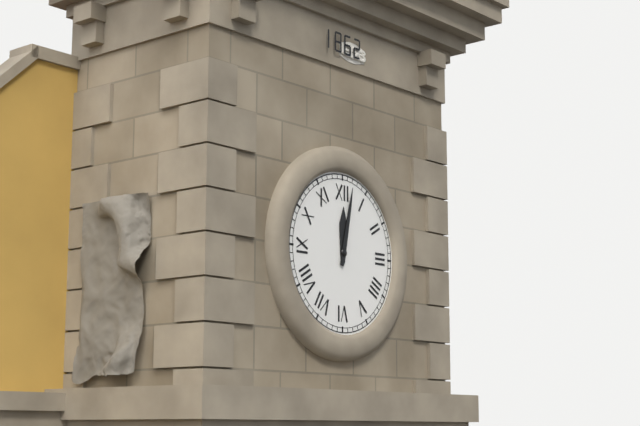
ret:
12:02
